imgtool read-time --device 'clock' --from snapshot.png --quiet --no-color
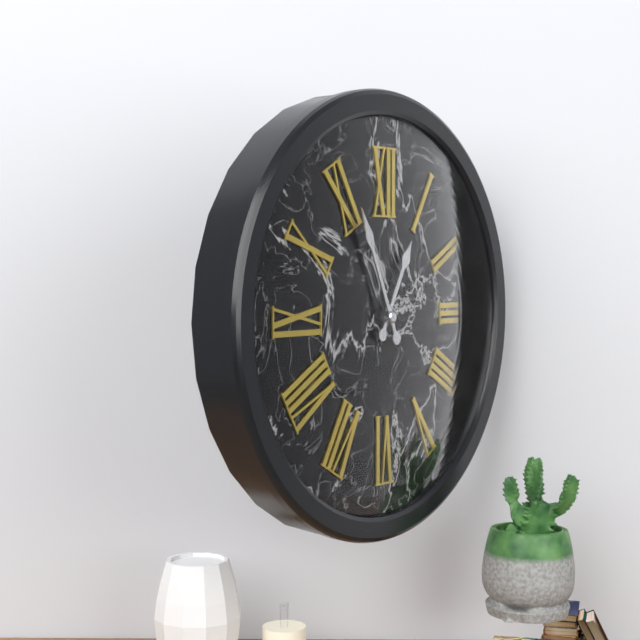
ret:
12:56
